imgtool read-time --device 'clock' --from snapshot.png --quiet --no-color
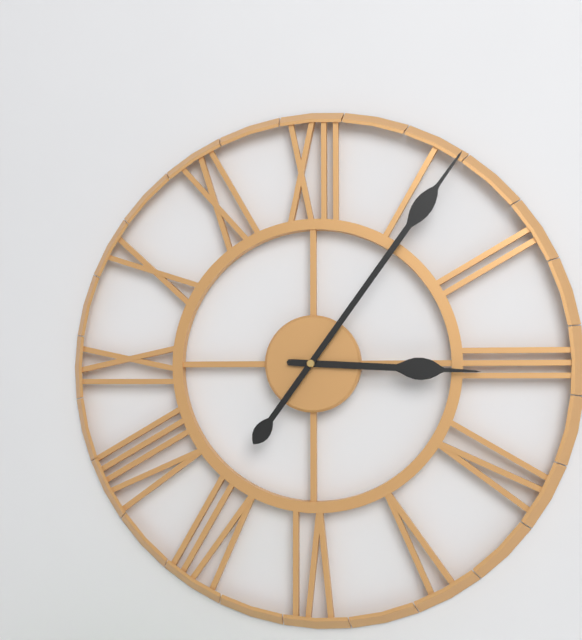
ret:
3:06
